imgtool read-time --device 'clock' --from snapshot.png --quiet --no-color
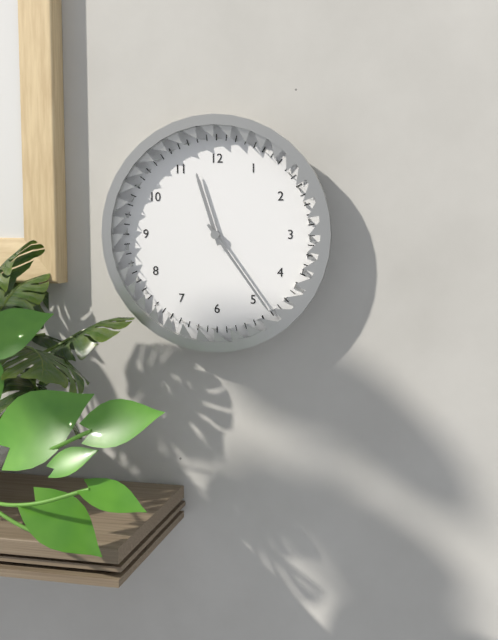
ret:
11:24
